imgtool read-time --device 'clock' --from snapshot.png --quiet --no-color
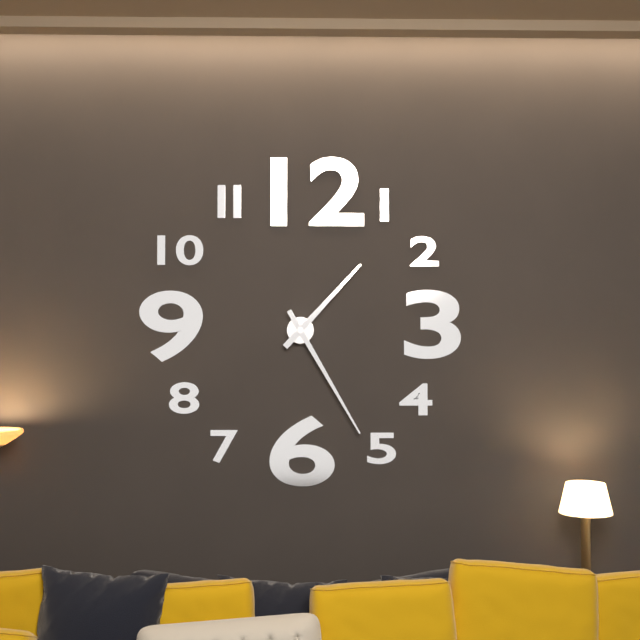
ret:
1:25
